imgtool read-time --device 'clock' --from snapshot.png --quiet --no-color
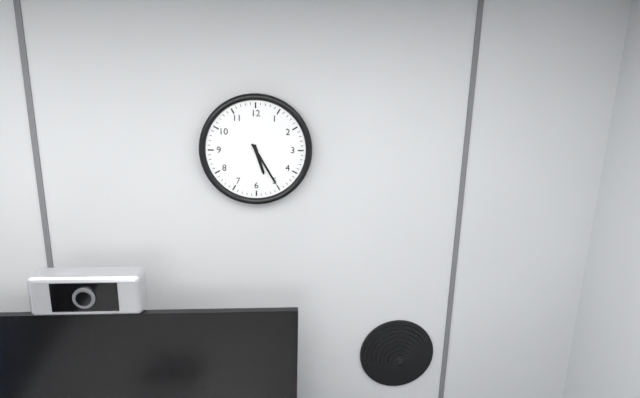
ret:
5:25
